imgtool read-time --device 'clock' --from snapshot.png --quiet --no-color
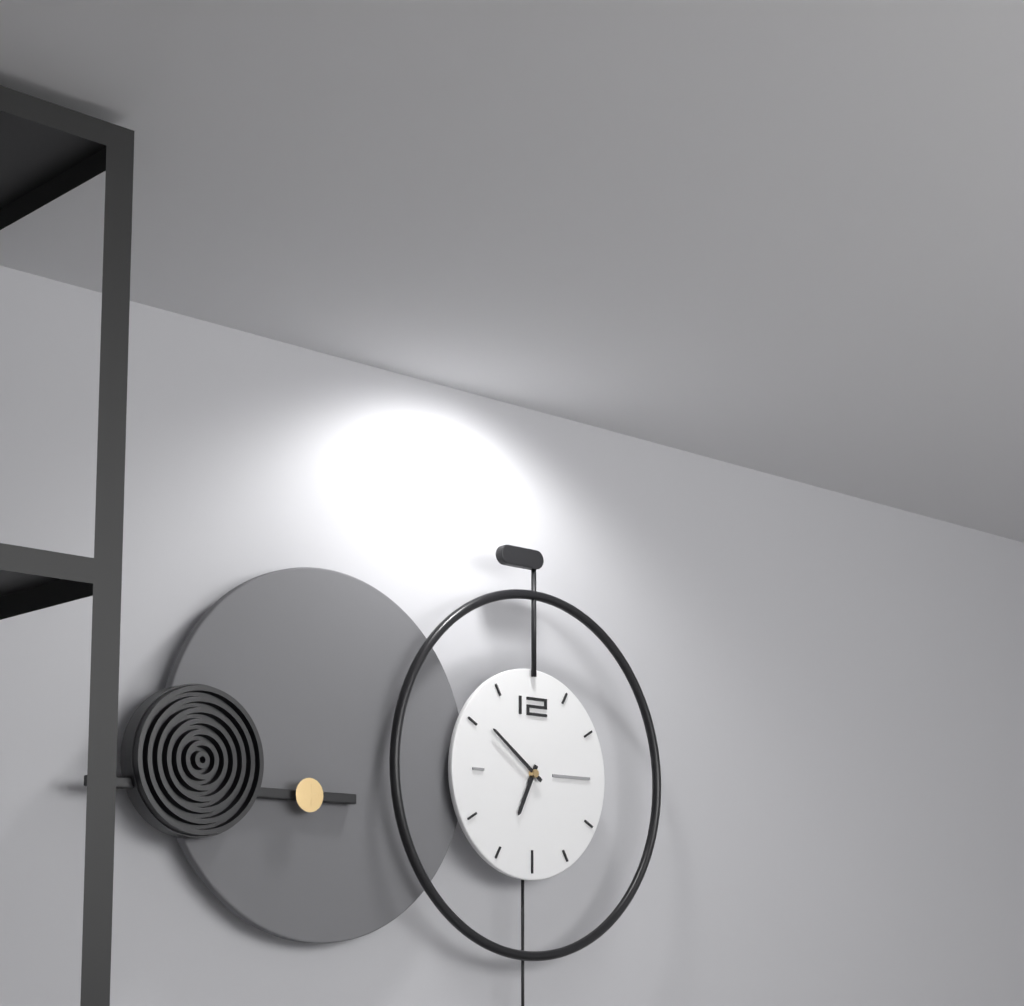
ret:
6:51
